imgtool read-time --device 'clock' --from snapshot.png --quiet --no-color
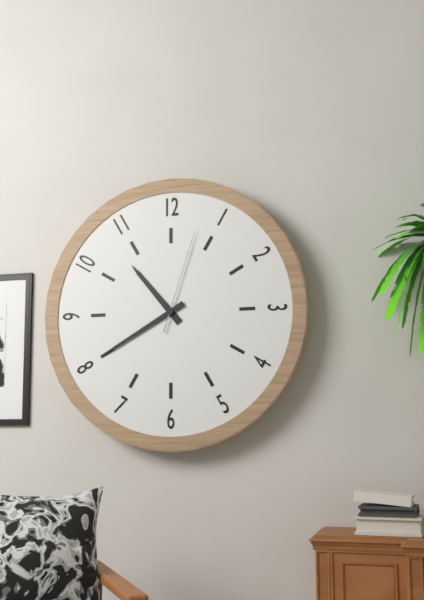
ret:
10:40:03
